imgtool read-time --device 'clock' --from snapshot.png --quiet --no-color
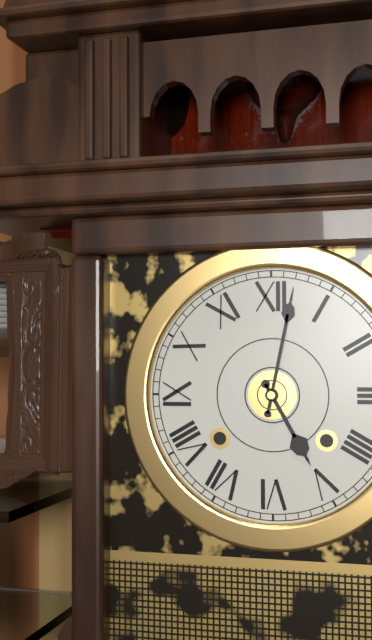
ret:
5:02
